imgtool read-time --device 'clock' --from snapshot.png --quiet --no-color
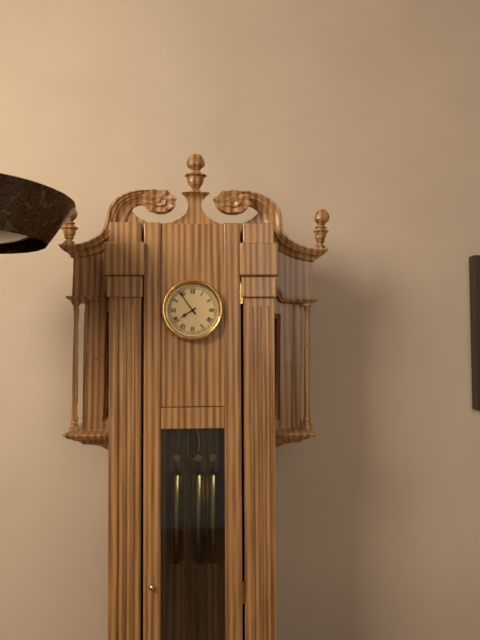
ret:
7:54
